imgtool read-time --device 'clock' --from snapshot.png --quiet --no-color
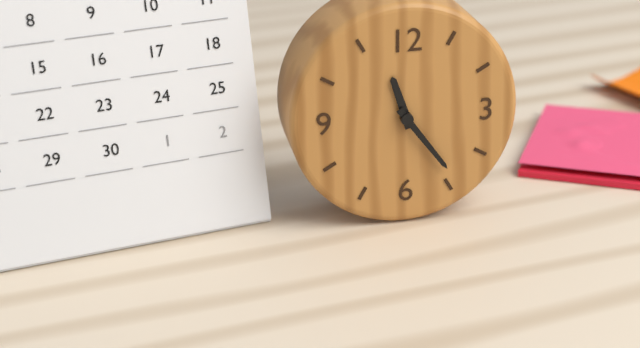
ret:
11:24
